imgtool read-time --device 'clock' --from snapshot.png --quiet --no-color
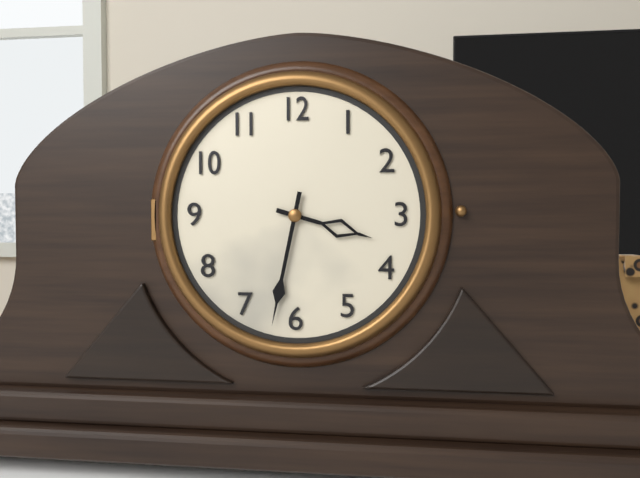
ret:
3:32
